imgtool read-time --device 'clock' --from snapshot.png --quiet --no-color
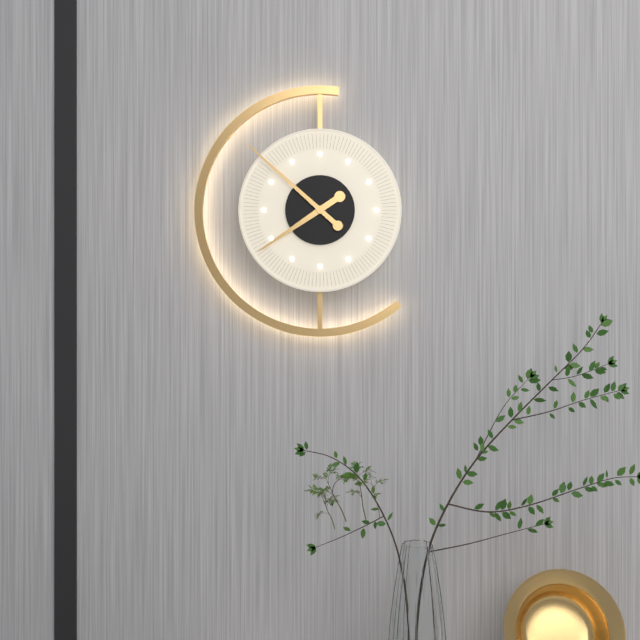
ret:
7:52
